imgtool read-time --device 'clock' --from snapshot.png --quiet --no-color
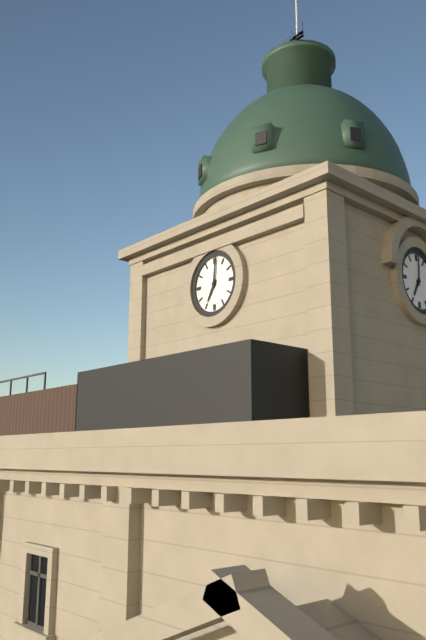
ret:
7:01
